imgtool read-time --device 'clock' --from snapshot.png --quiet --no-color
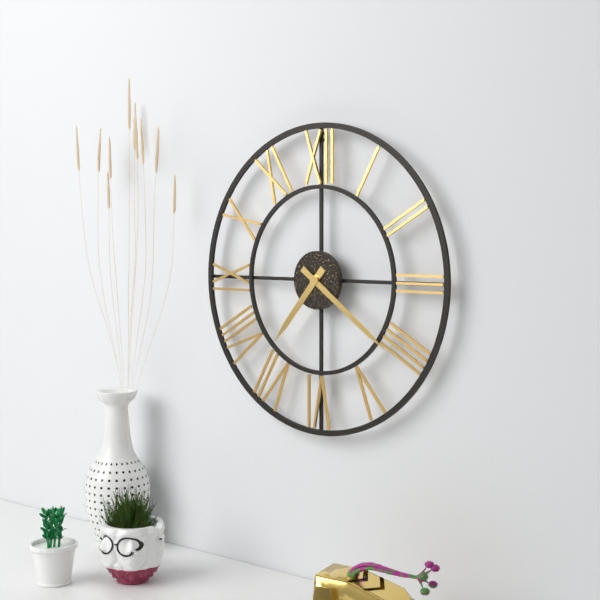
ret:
7:21
